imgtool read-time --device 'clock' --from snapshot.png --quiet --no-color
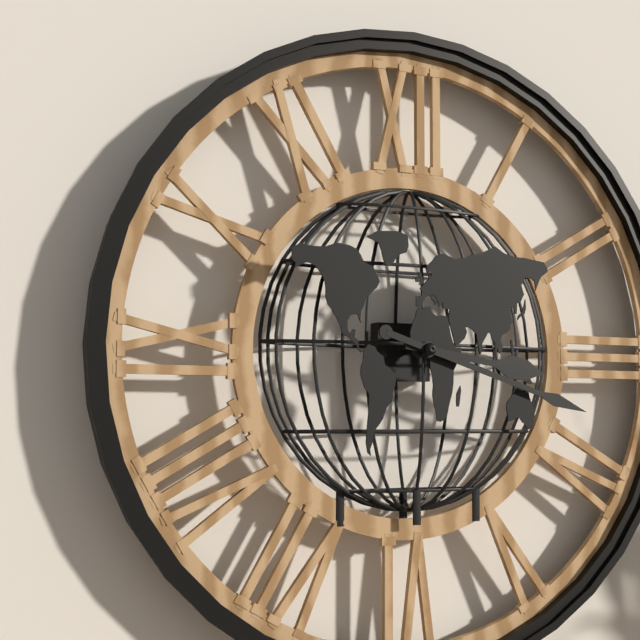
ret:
3:18
